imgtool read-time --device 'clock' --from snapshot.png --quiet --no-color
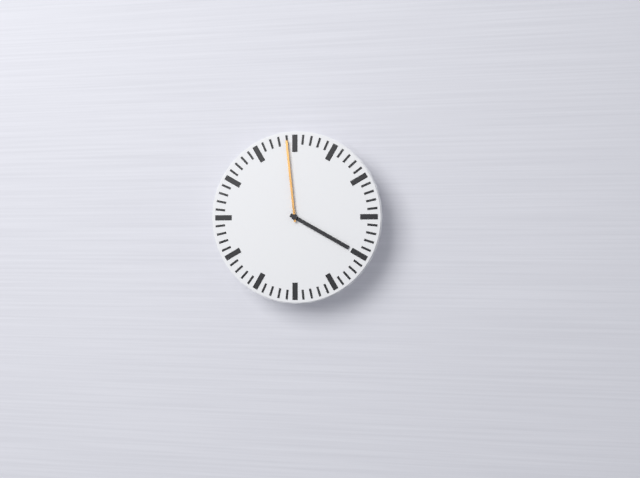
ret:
3:59
